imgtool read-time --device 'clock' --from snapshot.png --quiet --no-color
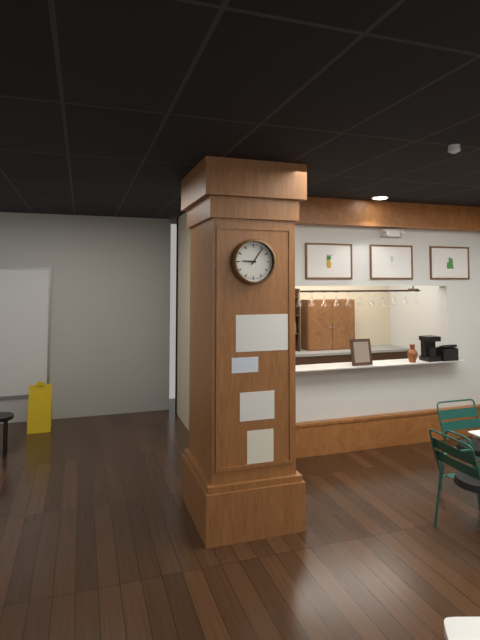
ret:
9:06
